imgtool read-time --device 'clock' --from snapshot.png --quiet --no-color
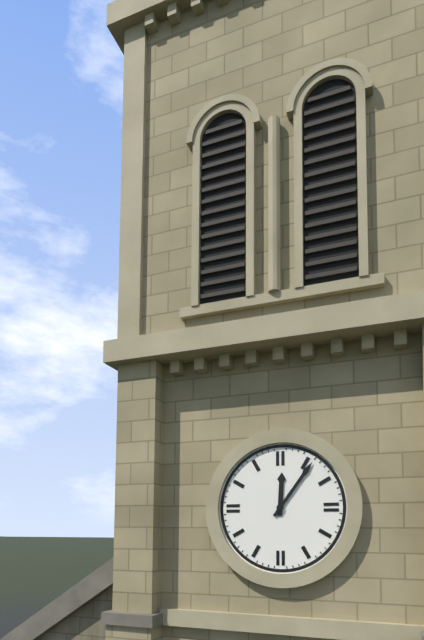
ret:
12:06
